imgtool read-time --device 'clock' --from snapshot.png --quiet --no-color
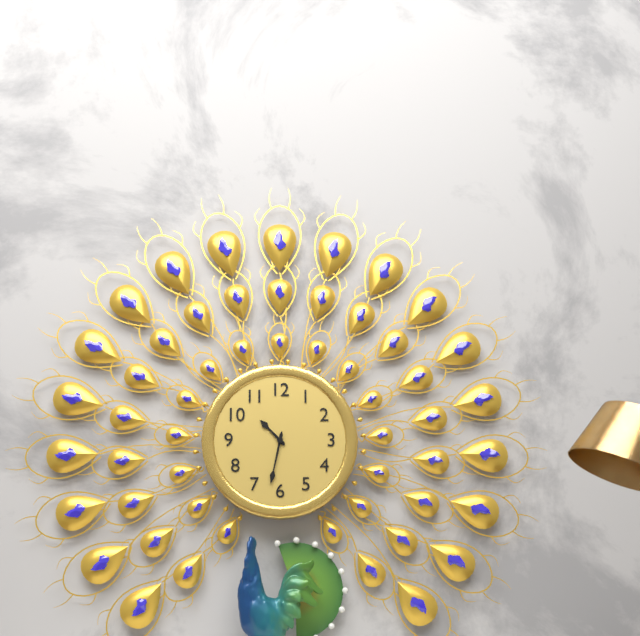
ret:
10:32
